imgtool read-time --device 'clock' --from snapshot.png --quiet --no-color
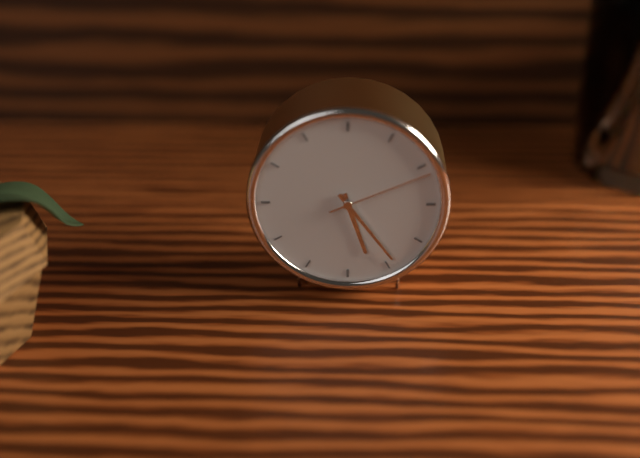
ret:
5:24:11
